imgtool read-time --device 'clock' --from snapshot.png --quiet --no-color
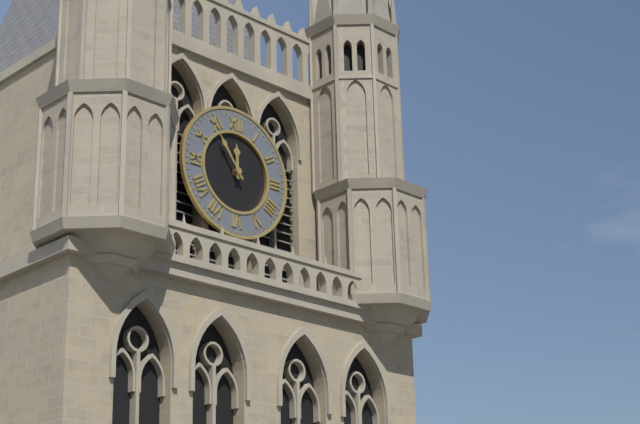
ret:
11:54
